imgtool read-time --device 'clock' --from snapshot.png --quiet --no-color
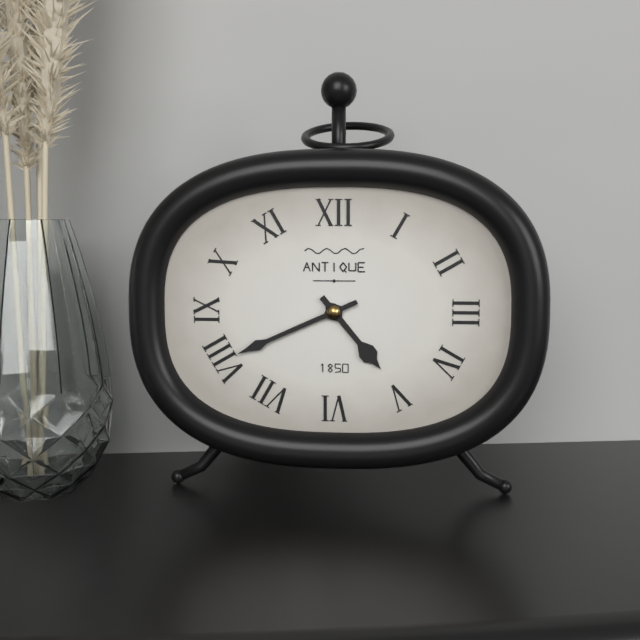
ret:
4:41
